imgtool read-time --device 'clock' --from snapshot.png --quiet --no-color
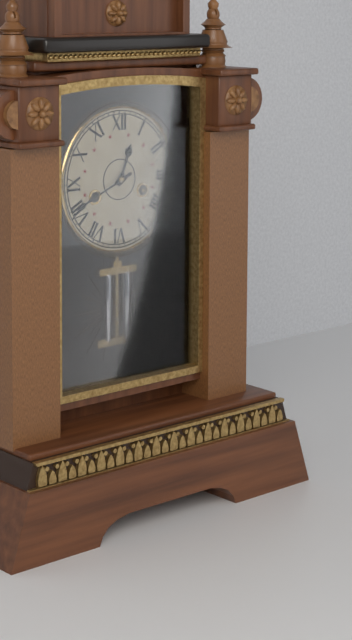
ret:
12:41
